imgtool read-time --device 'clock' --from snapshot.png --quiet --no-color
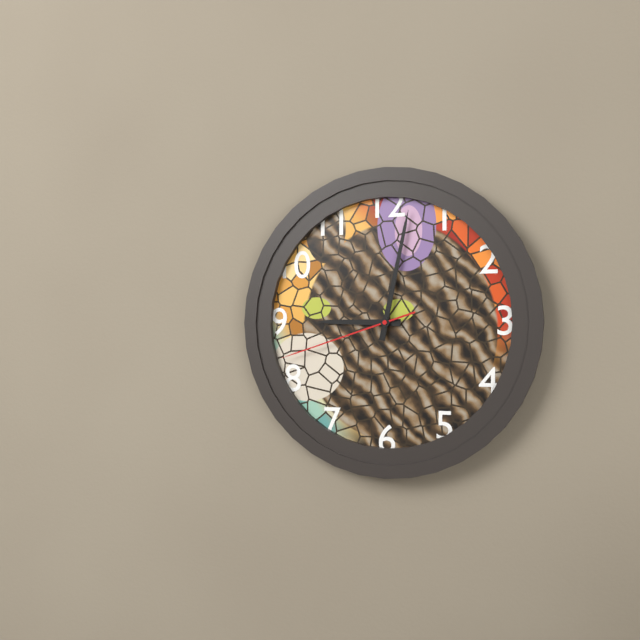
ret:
9:02:42
